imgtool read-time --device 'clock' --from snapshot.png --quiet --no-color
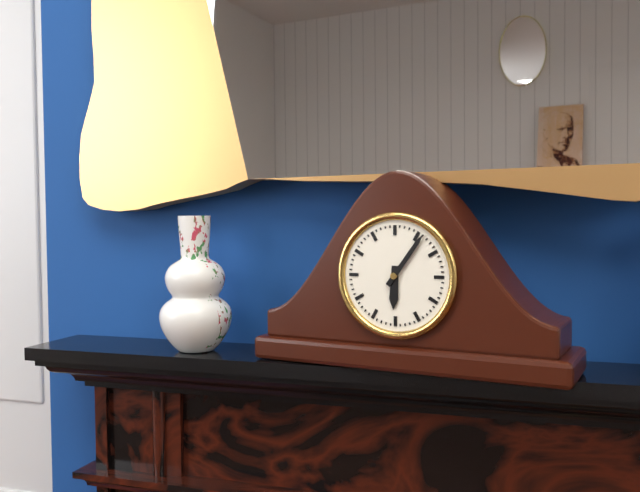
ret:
6:06
